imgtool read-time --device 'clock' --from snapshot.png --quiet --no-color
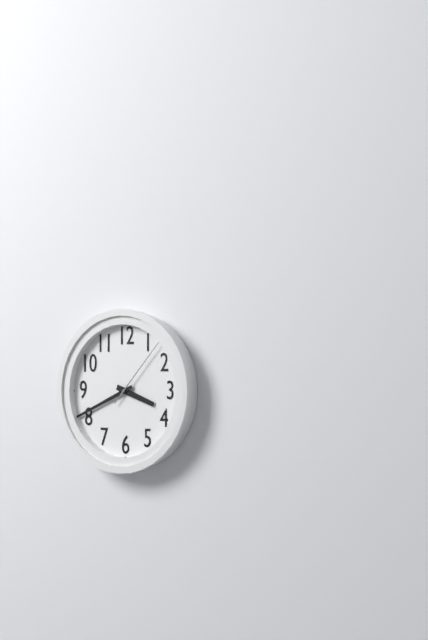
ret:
3:41:07
